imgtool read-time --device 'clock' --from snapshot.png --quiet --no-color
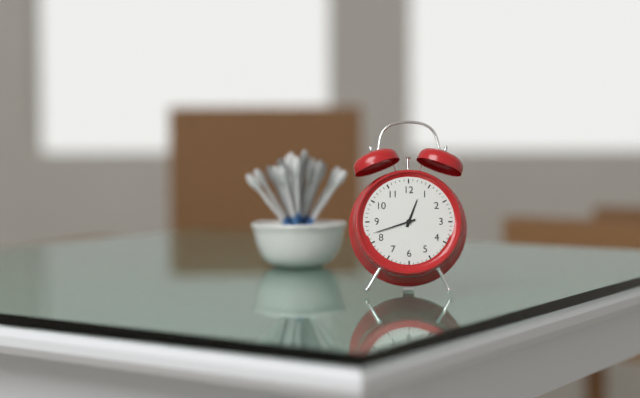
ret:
12:42
